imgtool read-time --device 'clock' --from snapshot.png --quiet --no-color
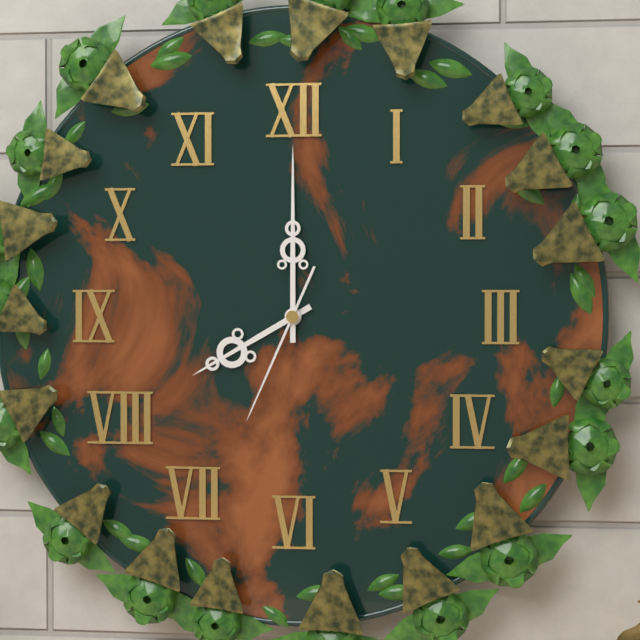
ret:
8:00:34
